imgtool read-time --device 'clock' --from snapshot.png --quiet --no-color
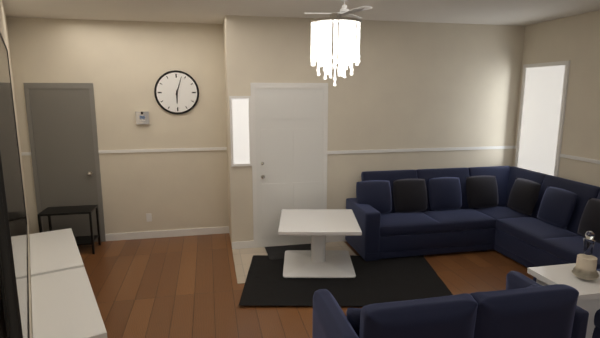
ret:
6:03
